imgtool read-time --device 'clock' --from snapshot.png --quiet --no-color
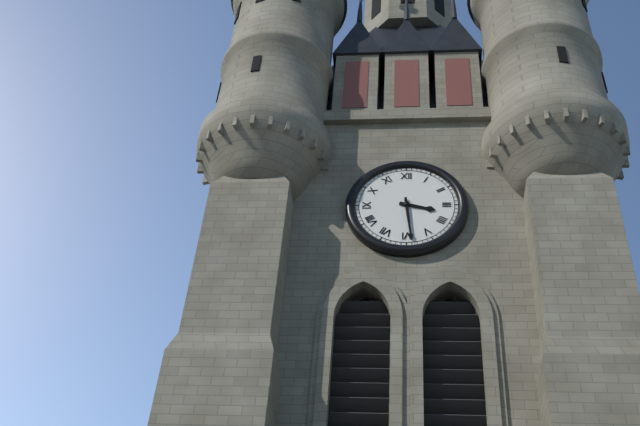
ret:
3:29
